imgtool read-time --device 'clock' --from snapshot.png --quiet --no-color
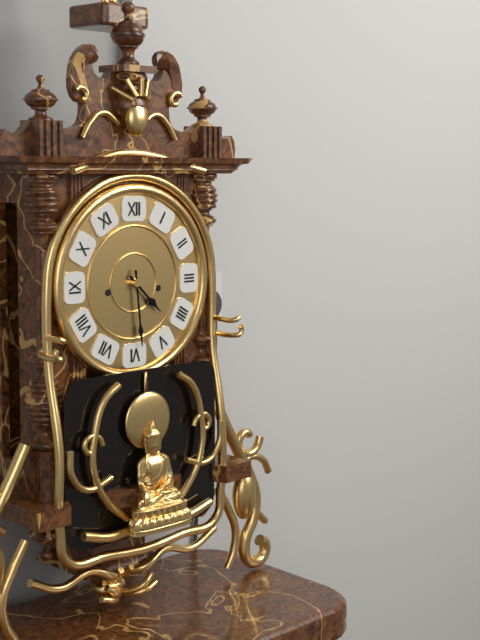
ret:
4:29
